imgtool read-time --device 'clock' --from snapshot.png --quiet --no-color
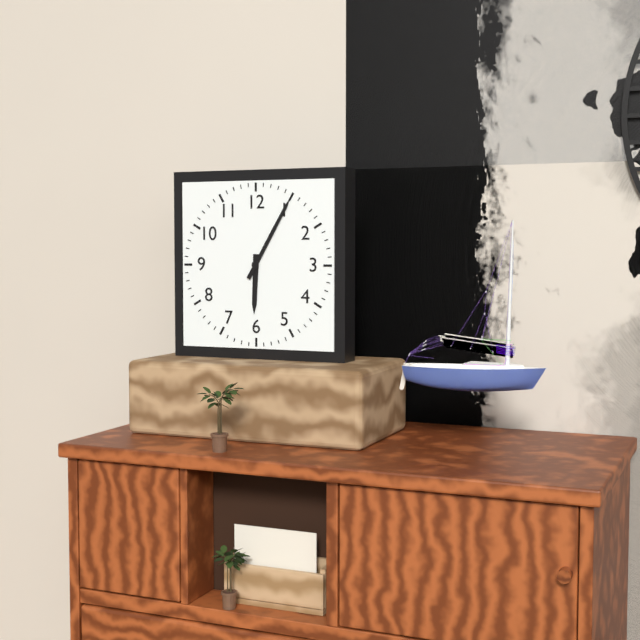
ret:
6:05
